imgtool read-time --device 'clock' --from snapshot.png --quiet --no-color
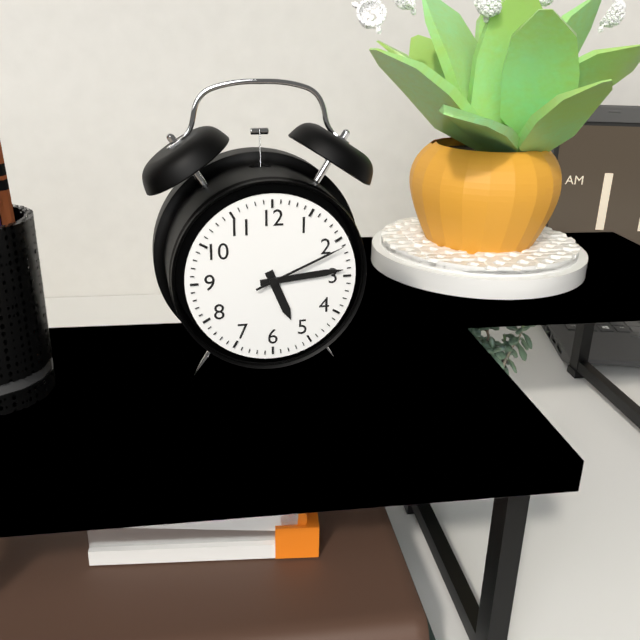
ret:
5:14:11
